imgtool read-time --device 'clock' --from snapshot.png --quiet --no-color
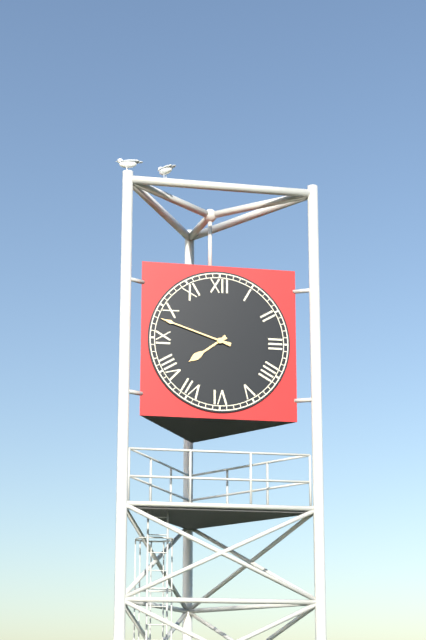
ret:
7:48
